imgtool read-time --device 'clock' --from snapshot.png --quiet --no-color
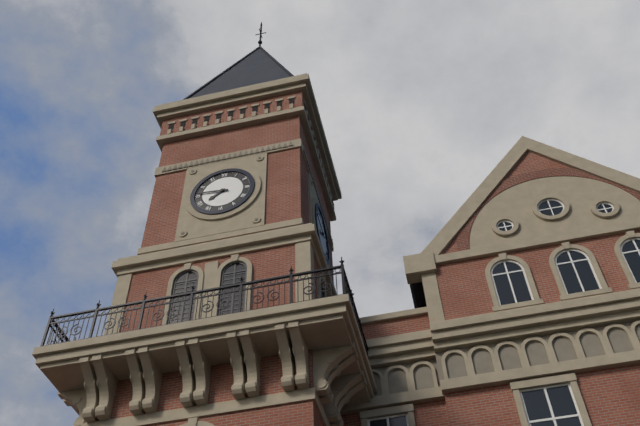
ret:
7:46
